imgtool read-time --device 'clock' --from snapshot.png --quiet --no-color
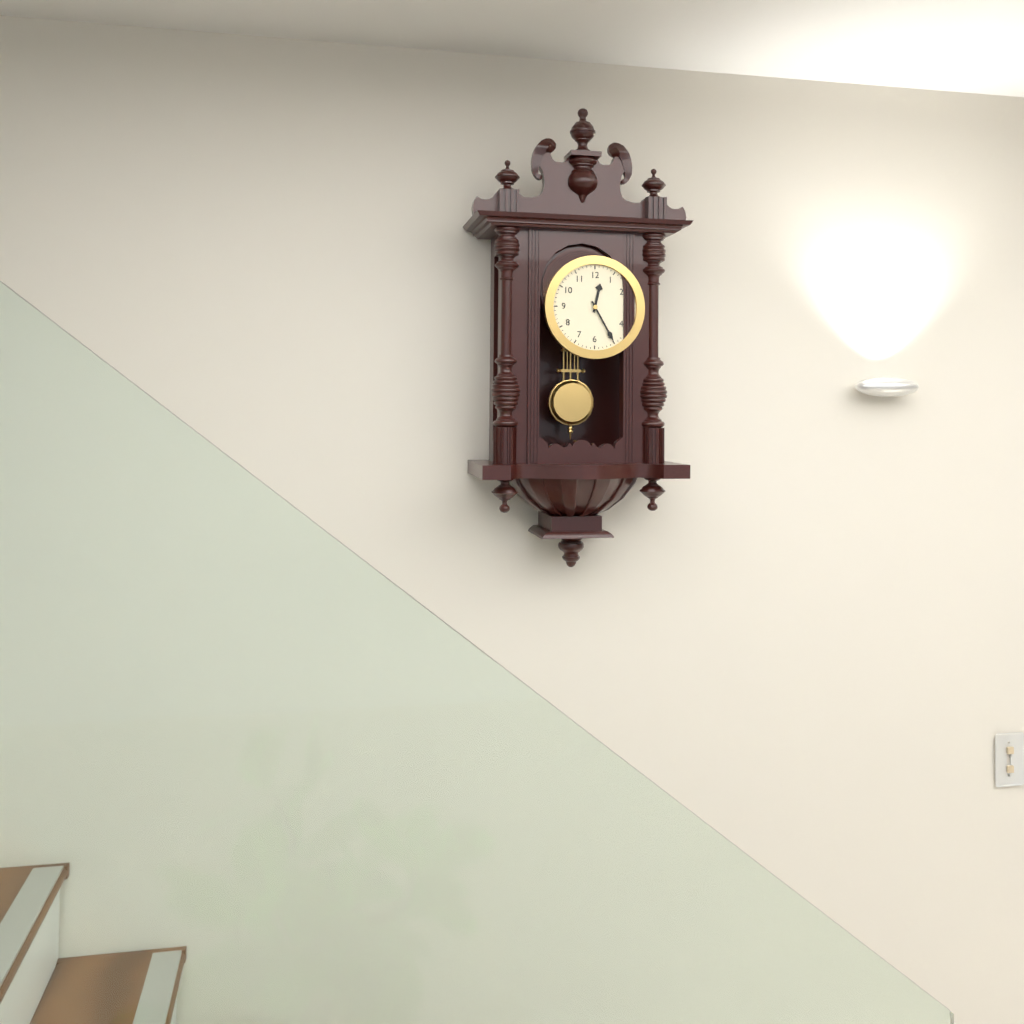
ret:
12:25
